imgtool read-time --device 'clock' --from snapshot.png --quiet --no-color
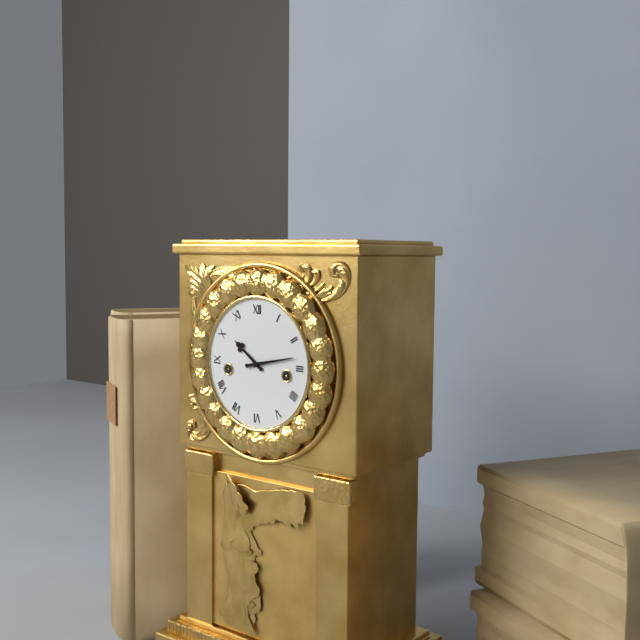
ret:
10:13
